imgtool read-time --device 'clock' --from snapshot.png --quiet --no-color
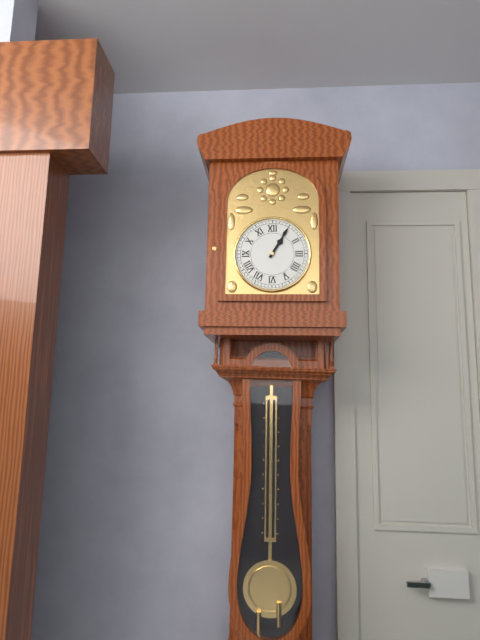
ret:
1:05
